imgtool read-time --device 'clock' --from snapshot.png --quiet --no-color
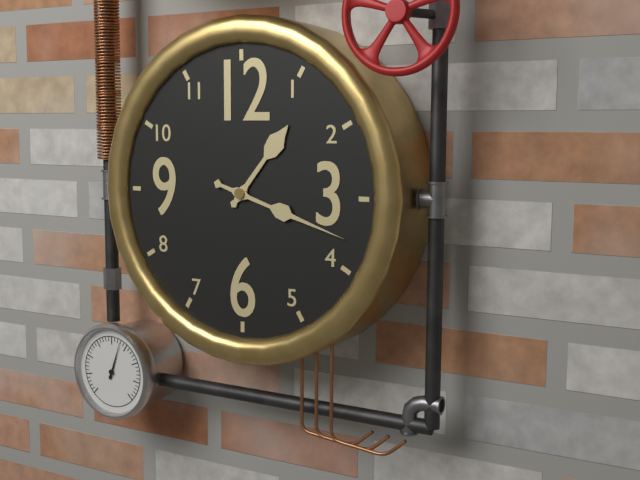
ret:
1:18
